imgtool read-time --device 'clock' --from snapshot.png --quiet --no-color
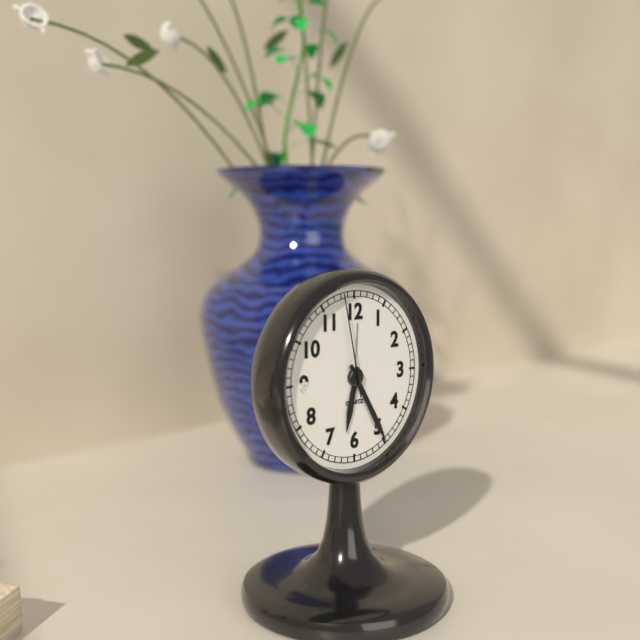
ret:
6:25:58
